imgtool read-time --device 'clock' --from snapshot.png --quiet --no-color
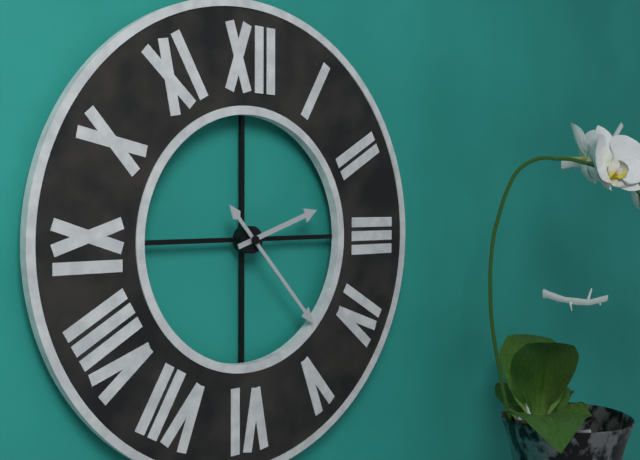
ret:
2:23
